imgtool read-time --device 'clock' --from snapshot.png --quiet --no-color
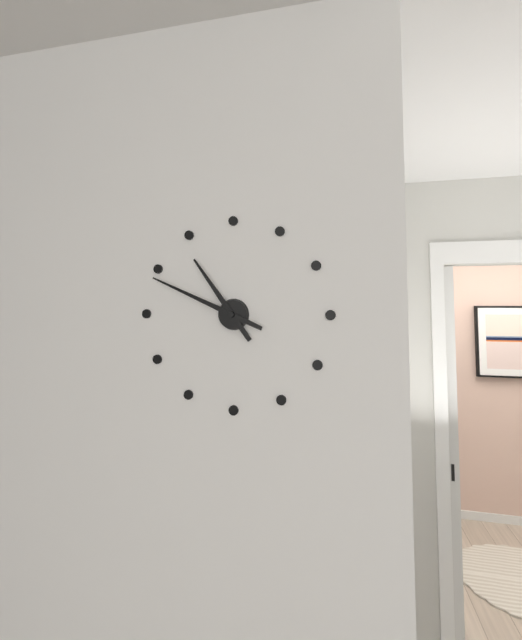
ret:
10:49
